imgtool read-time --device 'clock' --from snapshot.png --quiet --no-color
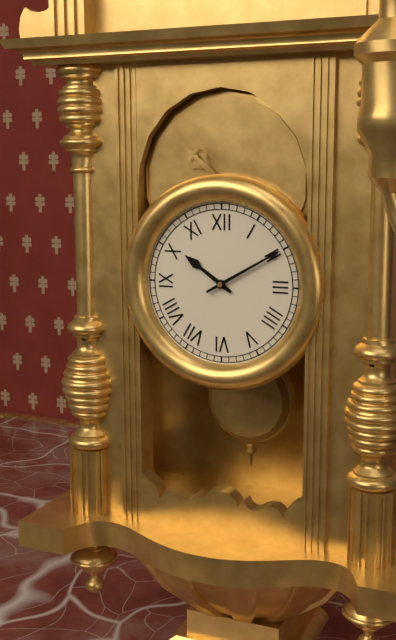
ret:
10:10
